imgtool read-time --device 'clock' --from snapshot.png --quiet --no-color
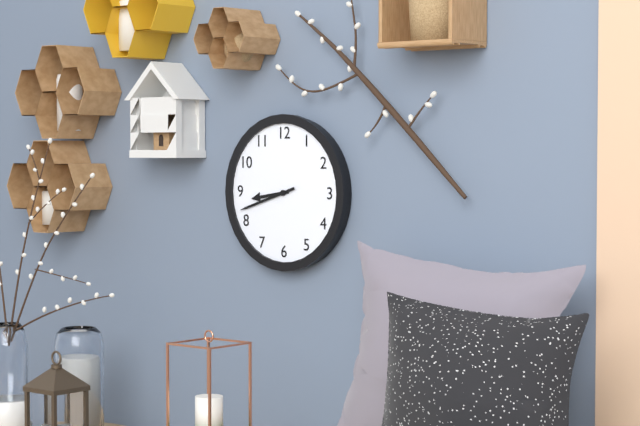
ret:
8:42
